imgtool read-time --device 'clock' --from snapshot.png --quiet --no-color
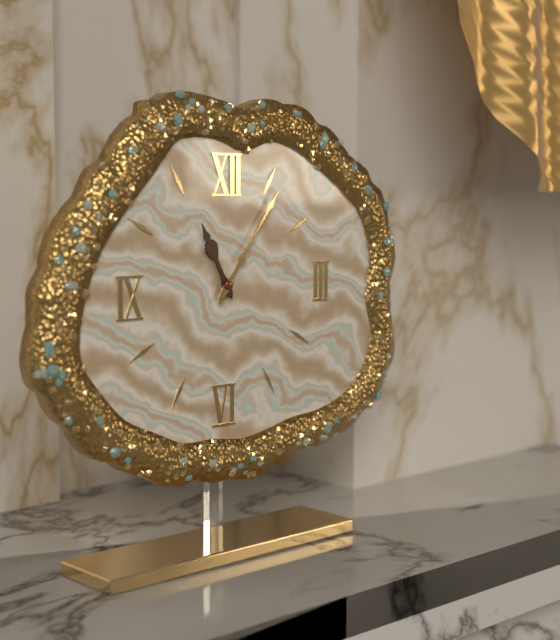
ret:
11:06
